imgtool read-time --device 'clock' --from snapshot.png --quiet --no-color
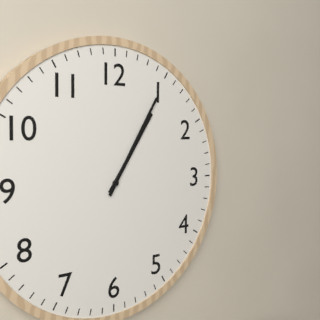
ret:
1:05
